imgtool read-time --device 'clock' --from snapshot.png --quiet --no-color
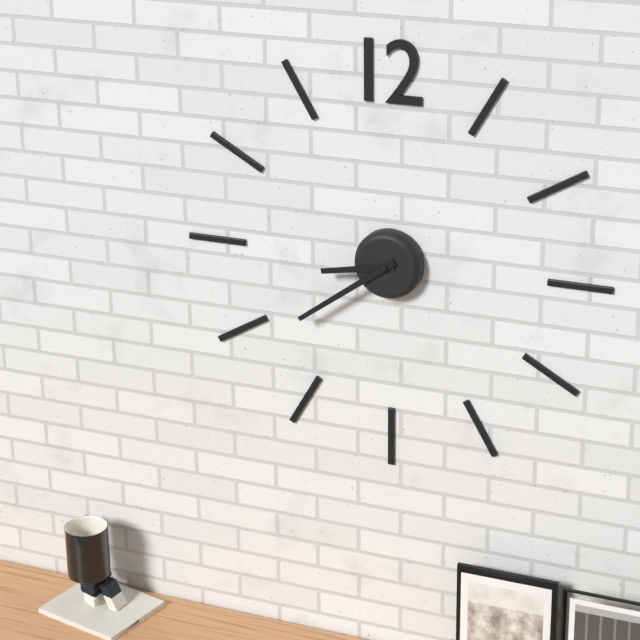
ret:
8:39
